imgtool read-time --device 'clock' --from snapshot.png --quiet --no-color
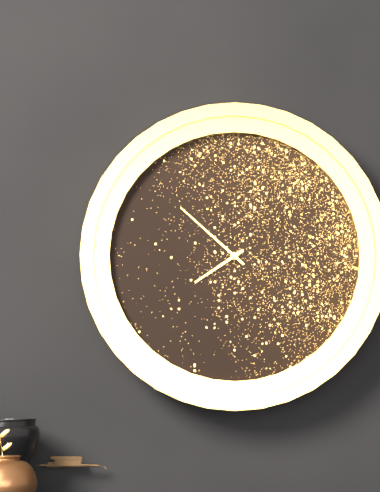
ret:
7:52
